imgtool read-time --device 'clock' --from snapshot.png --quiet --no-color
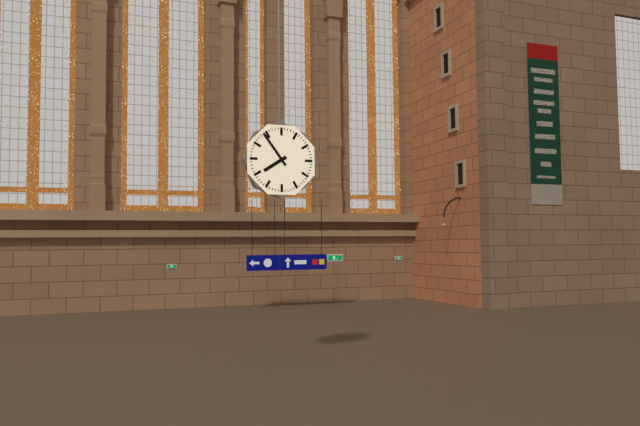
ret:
7:54
